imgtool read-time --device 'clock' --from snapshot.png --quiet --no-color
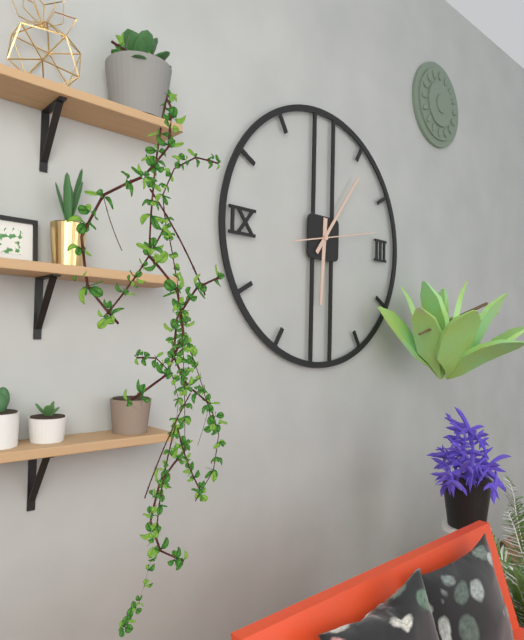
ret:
6:06:13
